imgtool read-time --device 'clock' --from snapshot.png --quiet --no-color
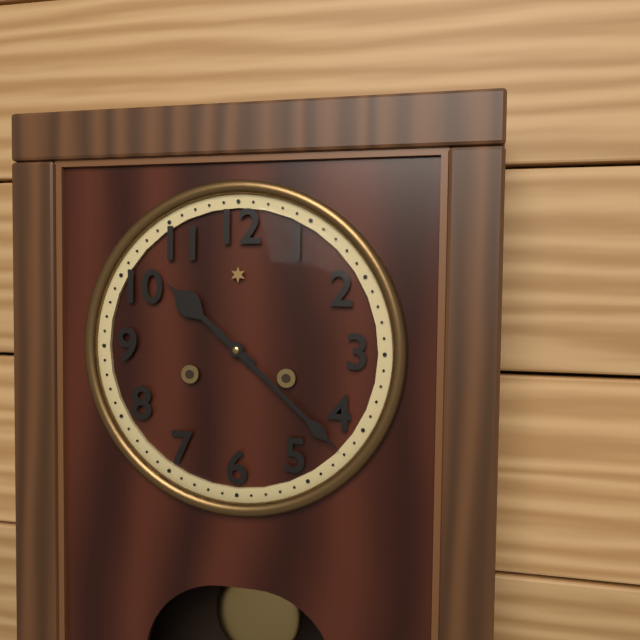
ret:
10:22
